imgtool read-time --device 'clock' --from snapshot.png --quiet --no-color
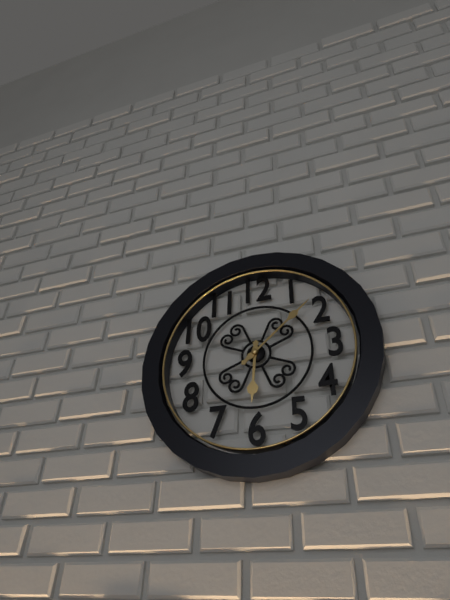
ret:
6:08
